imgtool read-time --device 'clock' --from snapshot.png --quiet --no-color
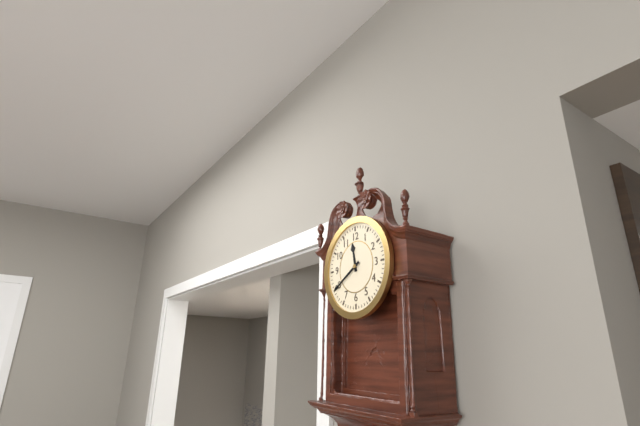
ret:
11:40
